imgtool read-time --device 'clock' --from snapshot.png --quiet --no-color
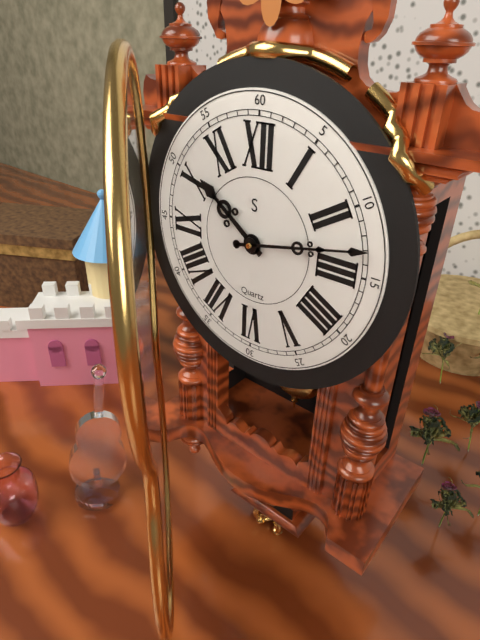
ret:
10:13
